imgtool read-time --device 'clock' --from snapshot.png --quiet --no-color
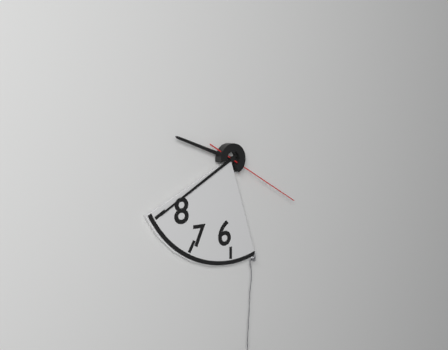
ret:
9:40:20
